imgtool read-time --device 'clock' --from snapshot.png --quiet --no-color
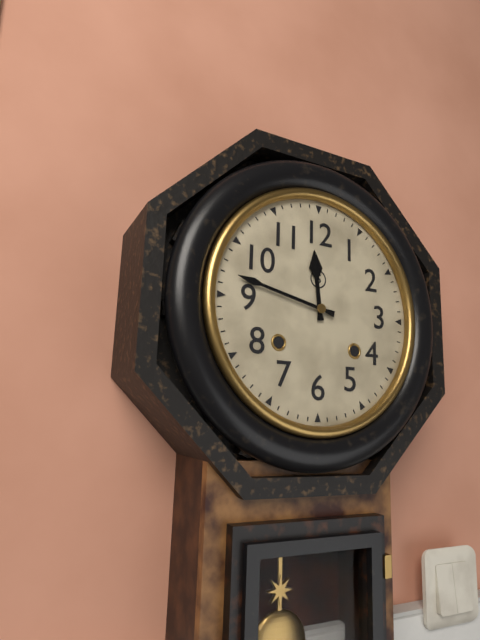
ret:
11:47
